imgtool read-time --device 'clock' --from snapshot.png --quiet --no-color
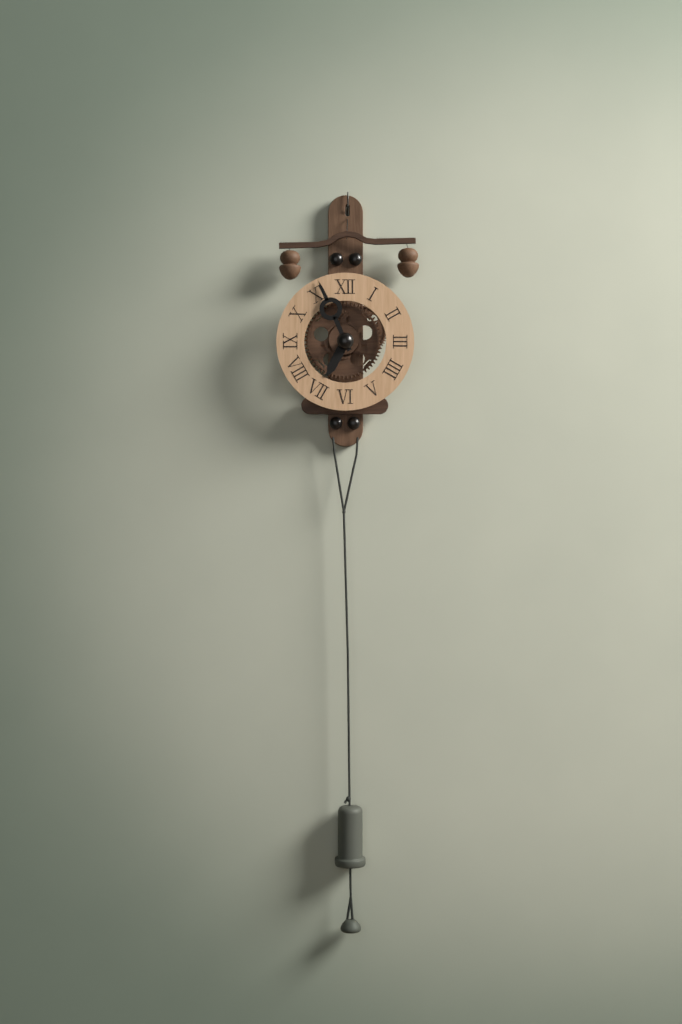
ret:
6:56
